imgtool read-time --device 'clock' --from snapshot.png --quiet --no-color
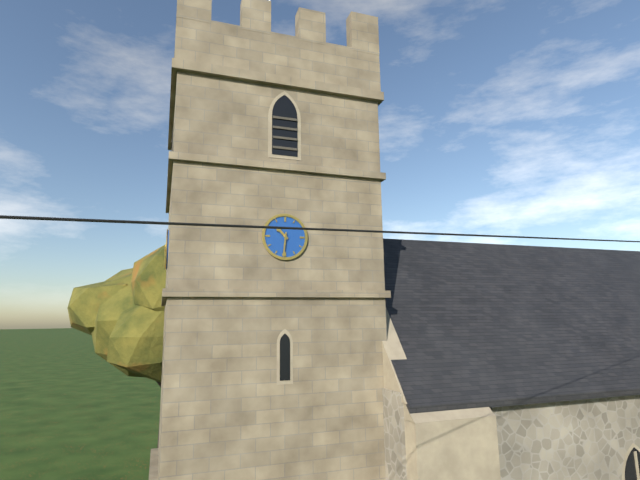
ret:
10:31
